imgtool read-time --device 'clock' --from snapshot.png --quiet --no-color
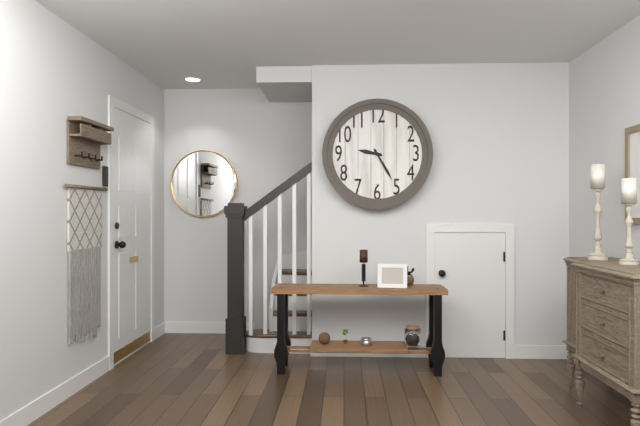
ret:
9:25
